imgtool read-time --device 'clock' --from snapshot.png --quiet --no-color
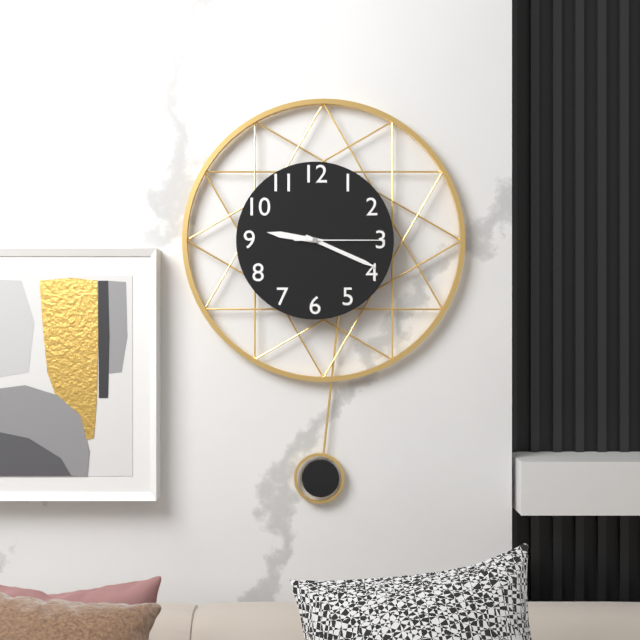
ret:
9:19:15
